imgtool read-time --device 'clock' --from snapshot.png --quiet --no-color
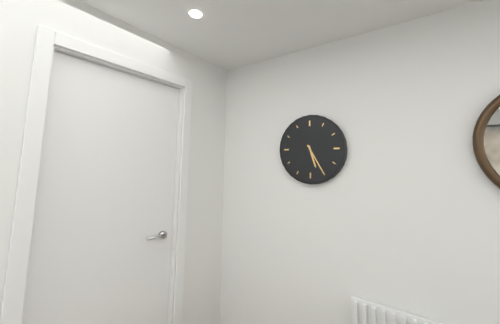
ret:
5:25
